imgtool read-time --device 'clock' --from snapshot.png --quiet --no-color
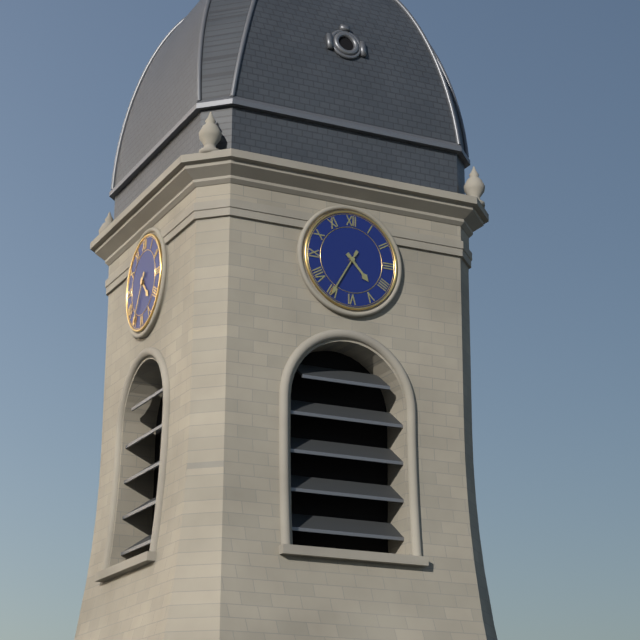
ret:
4:35
